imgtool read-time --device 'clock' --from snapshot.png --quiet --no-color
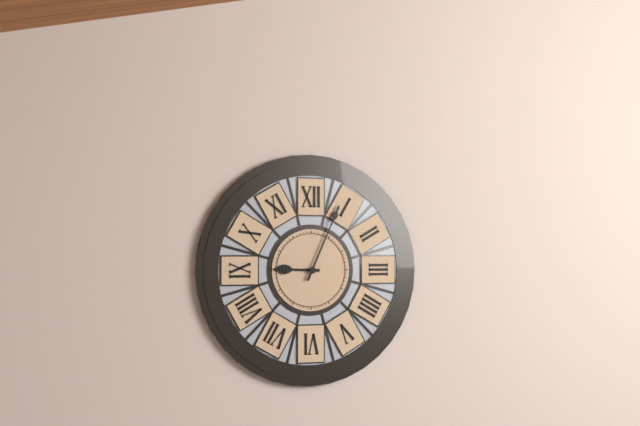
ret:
9:04
